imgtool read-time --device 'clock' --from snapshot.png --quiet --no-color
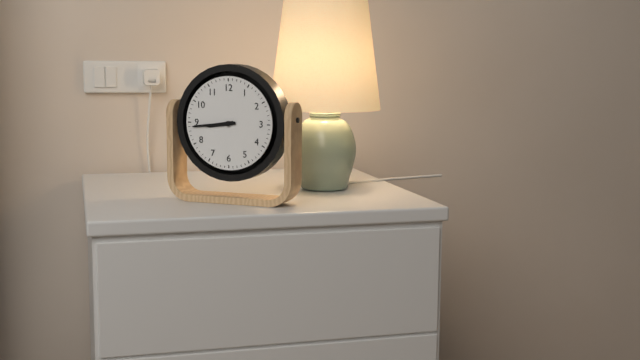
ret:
8:44
